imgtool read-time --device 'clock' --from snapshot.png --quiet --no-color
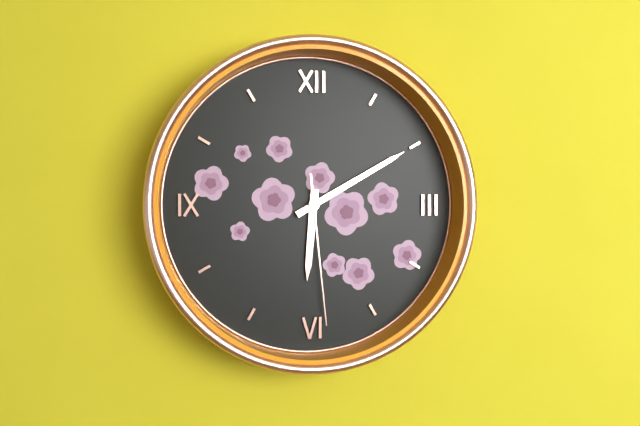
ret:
6:10:29
